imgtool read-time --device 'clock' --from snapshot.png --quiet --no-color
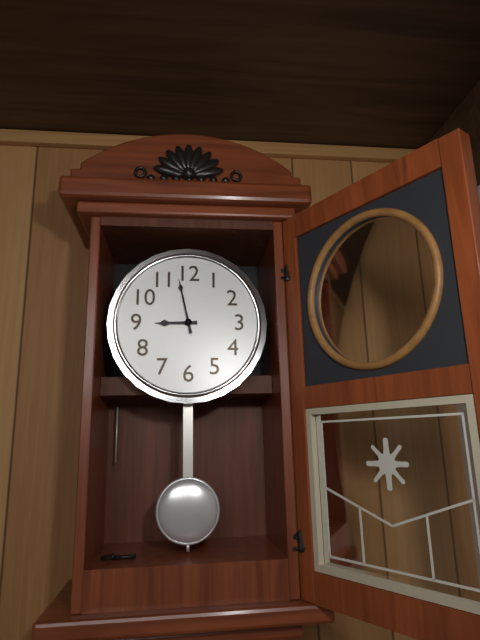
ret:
8:58
